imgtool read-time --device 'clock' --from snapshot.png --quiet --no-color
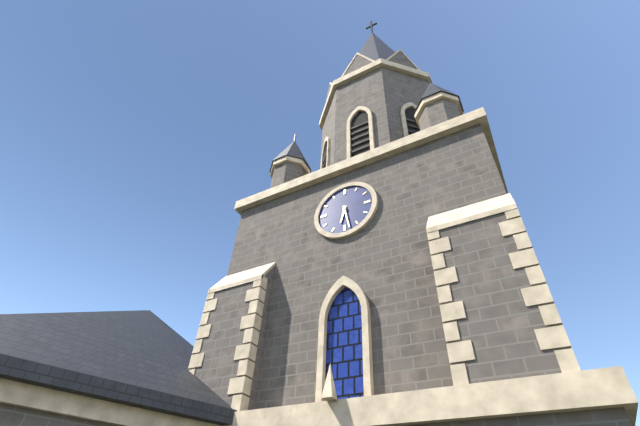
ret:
6:28
